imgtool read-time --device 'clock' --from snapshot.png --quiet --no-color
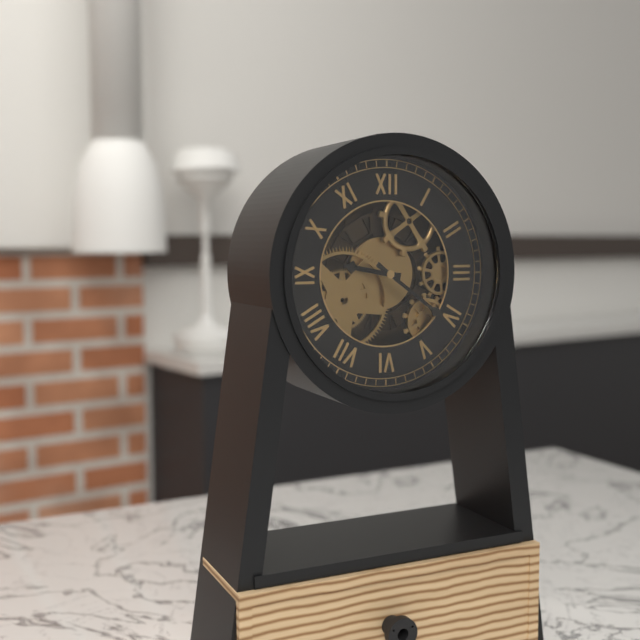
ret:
9:21
